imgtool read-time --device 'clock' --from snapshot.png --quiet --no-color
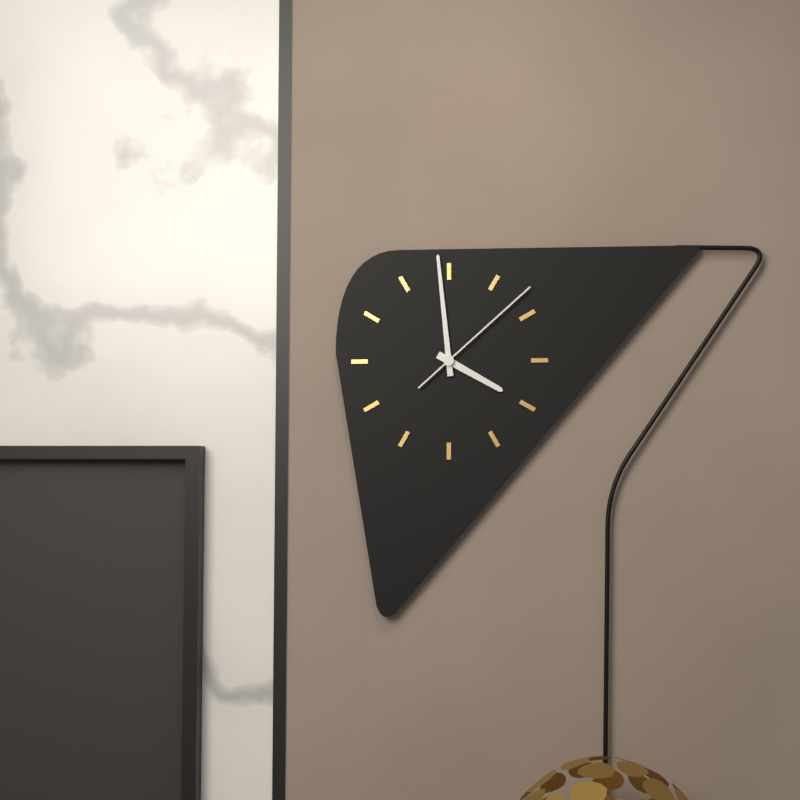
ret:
3:59:08
